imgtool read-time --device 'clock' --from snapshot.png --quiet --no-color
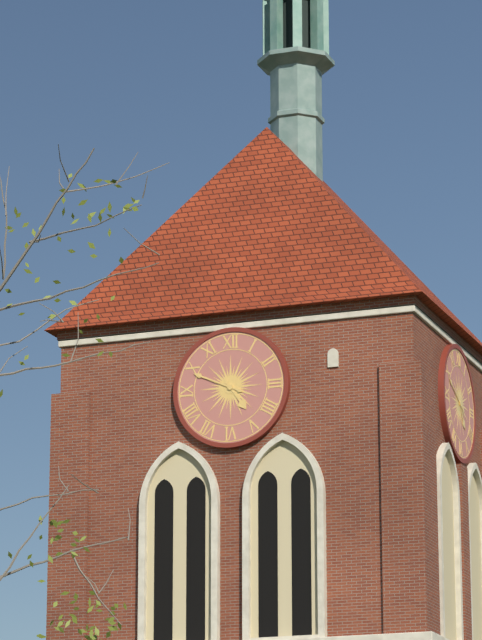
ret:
4:49
